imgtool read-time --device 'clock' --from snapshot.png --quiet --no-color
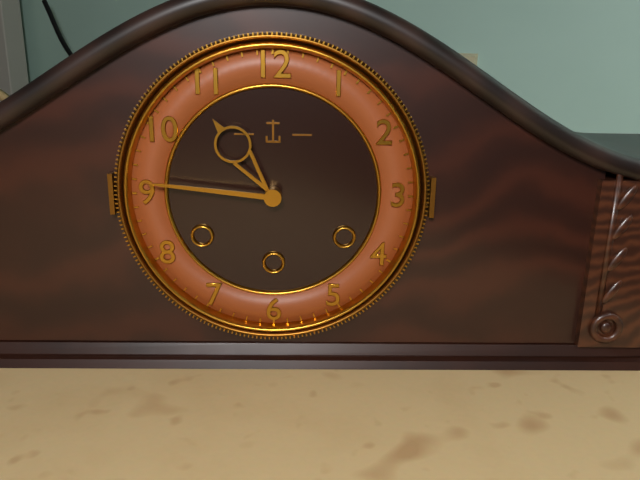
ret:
10:46
